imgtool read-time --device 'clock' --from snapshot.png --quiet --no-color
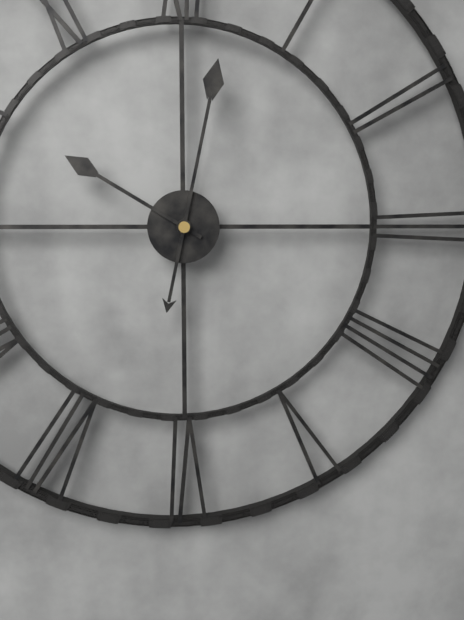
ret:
10:02
